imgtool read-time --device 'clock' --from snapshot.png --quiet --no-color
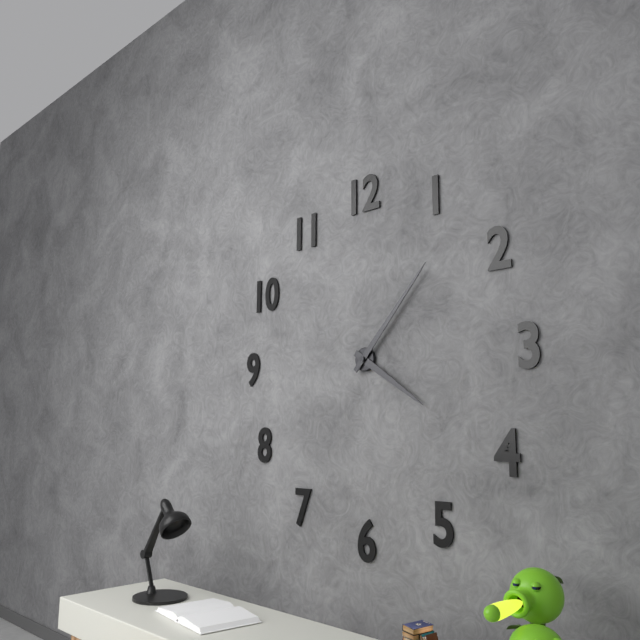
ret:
4:07
